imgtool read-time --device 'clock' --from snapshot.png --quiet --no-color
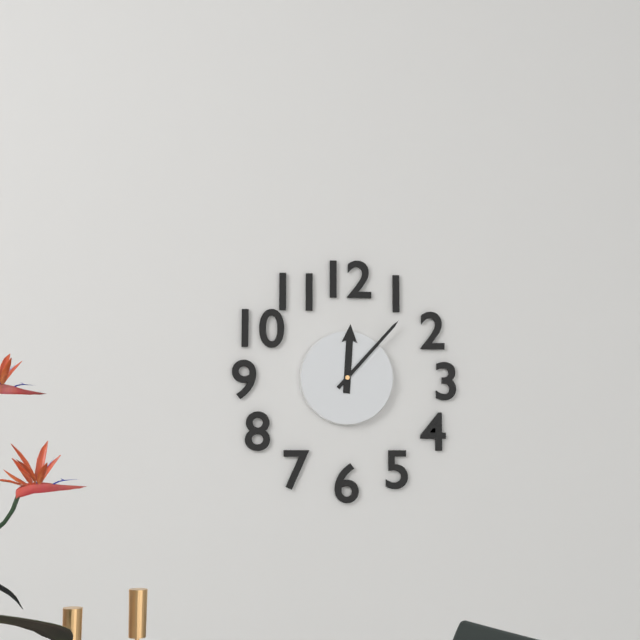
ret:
12:07
